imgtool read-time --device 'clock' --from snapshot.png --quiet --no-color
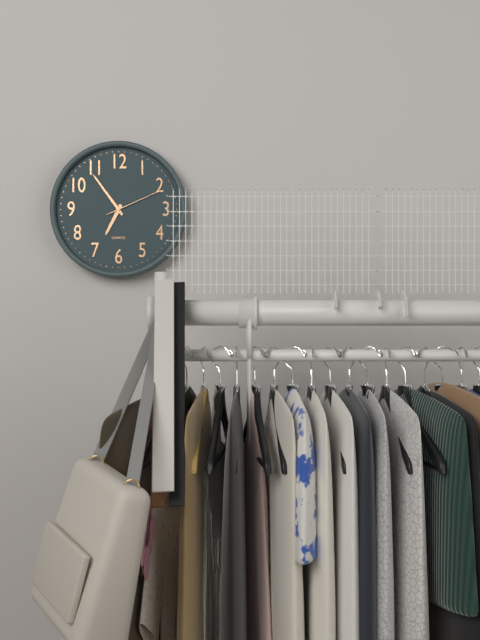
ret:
6:54:11
